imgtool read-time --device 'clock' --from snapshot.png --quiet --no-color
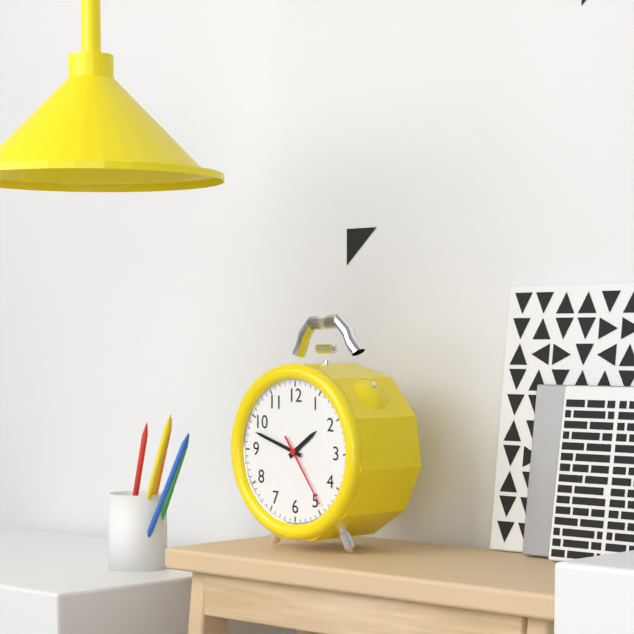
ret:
1:48:24
